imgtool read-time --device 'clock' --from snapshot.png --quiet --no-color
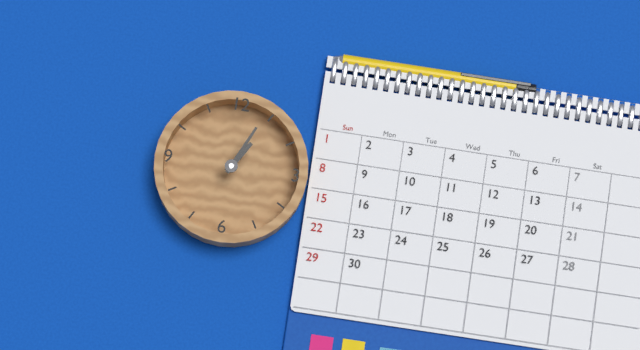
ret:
1:04
